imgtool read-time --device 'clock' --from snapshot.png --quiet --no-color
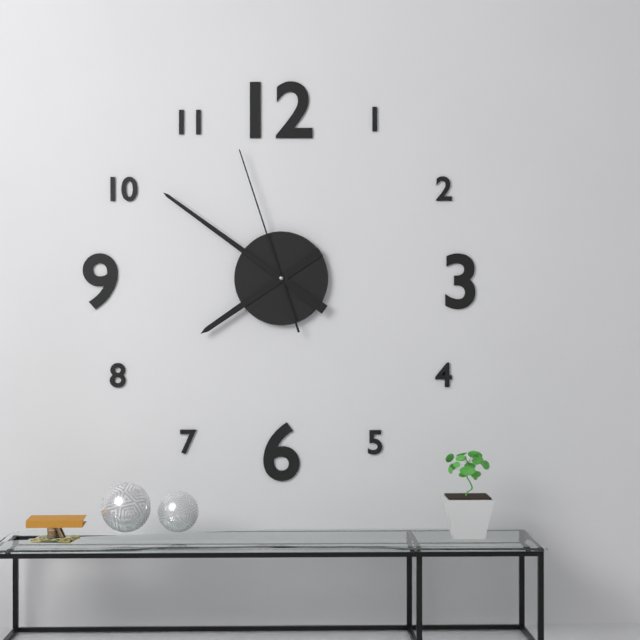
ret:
7:51:57
